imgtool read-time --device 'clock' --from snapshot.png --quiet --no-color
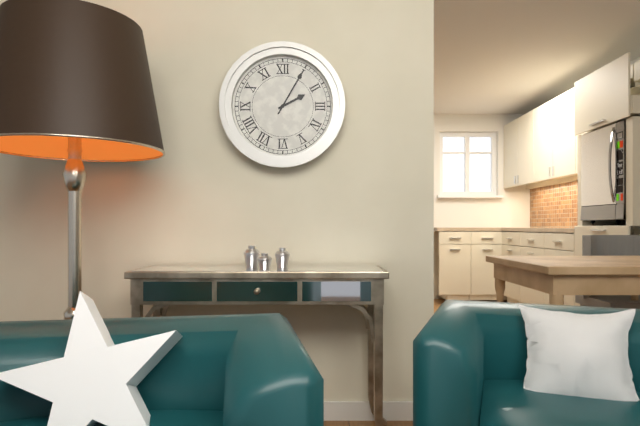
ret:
2:05
